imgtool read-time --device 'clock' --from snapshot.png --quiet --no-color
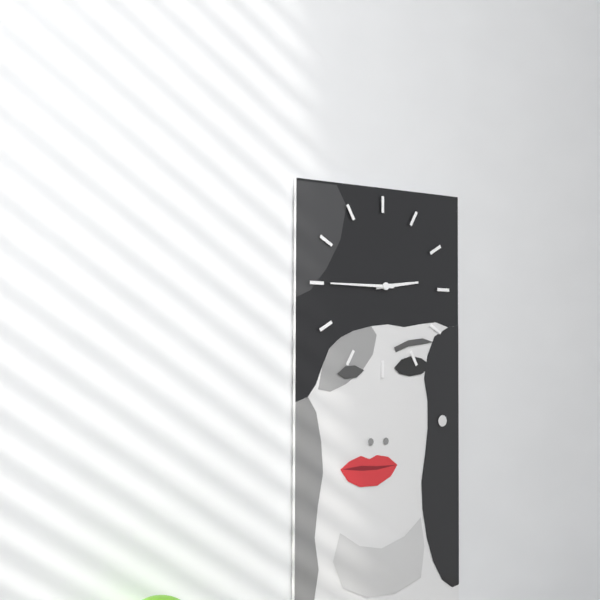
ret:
2:45
